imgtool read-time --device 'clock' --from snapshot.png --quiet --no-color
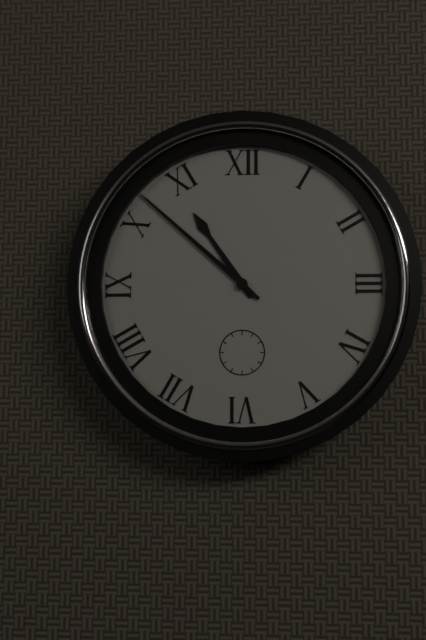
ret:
10:52
